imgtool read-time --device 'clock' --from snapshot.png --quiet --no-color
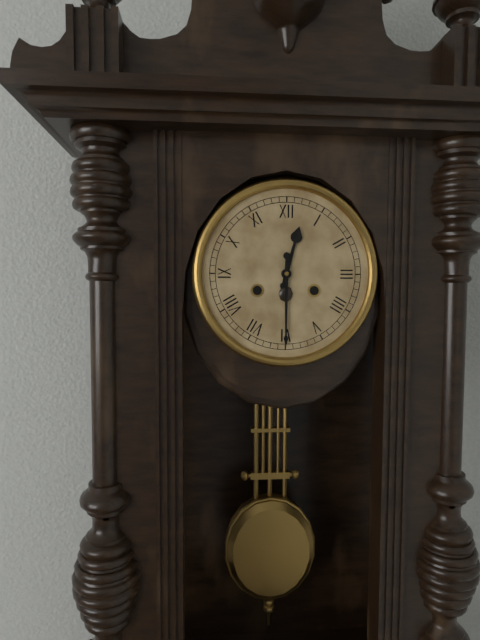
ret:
12:30
